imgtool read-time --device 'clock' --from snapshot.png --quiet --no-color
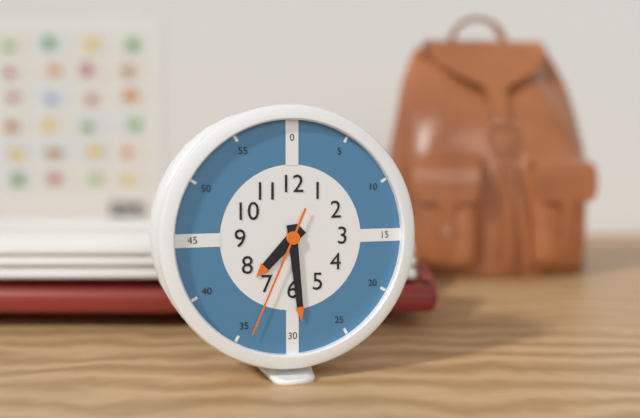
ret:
7:29:34
